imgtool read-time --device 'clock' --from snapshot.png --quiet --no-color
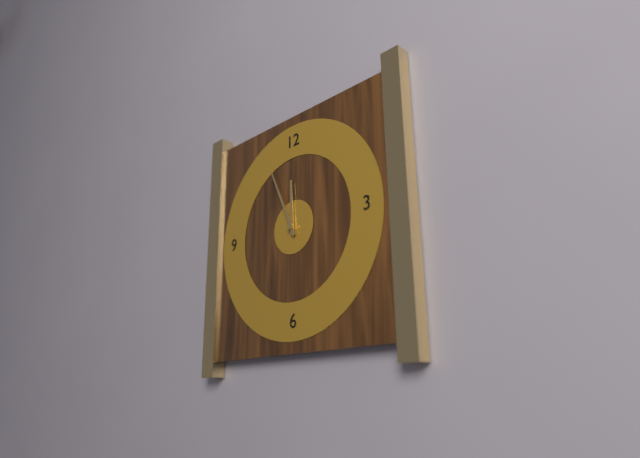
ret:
11:56
